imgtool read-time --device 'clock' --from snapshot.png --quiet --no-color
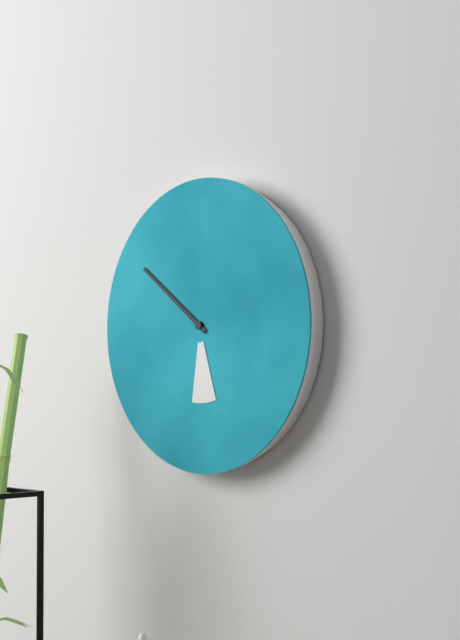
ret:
5:51
